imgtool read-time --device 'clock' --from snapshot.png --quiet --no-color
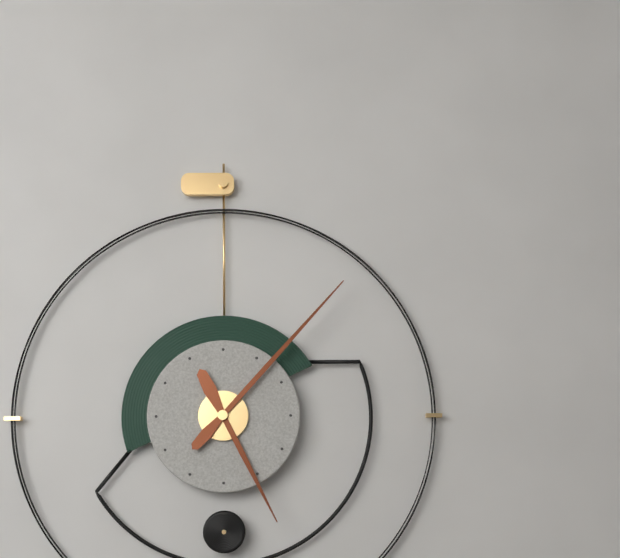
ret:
5:07
